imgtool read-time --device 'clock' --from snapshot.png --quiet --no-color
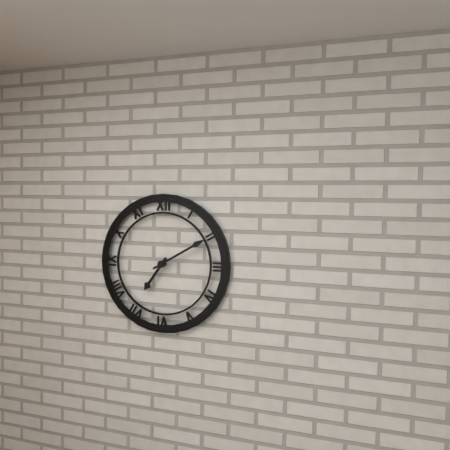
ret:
7:10
